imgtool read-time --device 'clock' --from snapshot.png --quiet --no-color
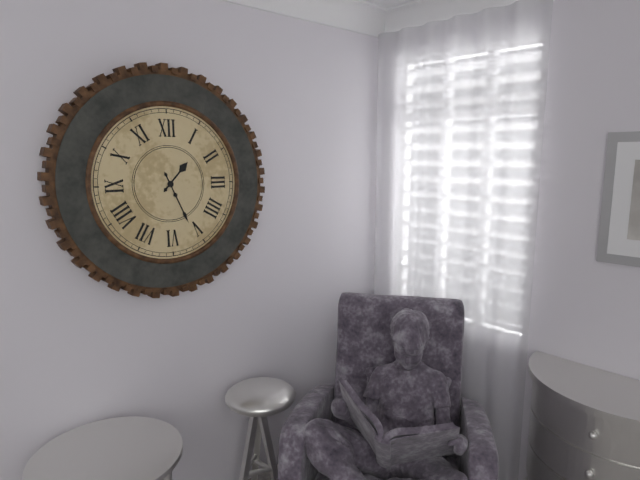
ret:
1:26
